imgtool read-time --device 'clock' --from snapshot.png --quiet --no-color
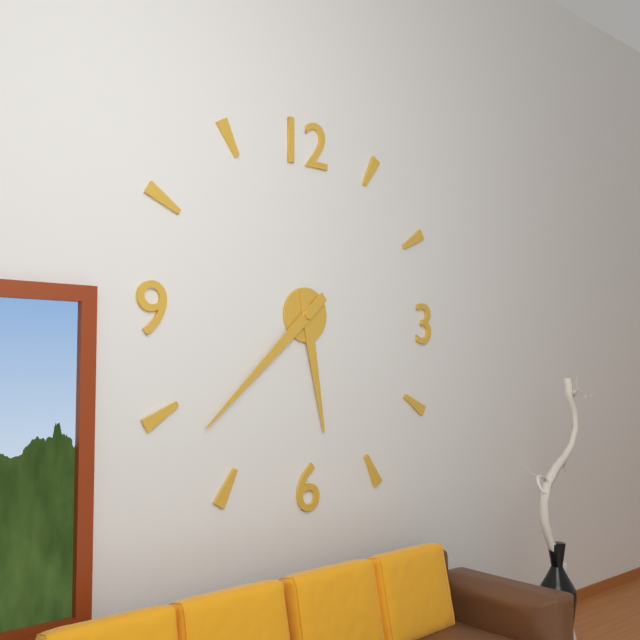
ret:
5:38
